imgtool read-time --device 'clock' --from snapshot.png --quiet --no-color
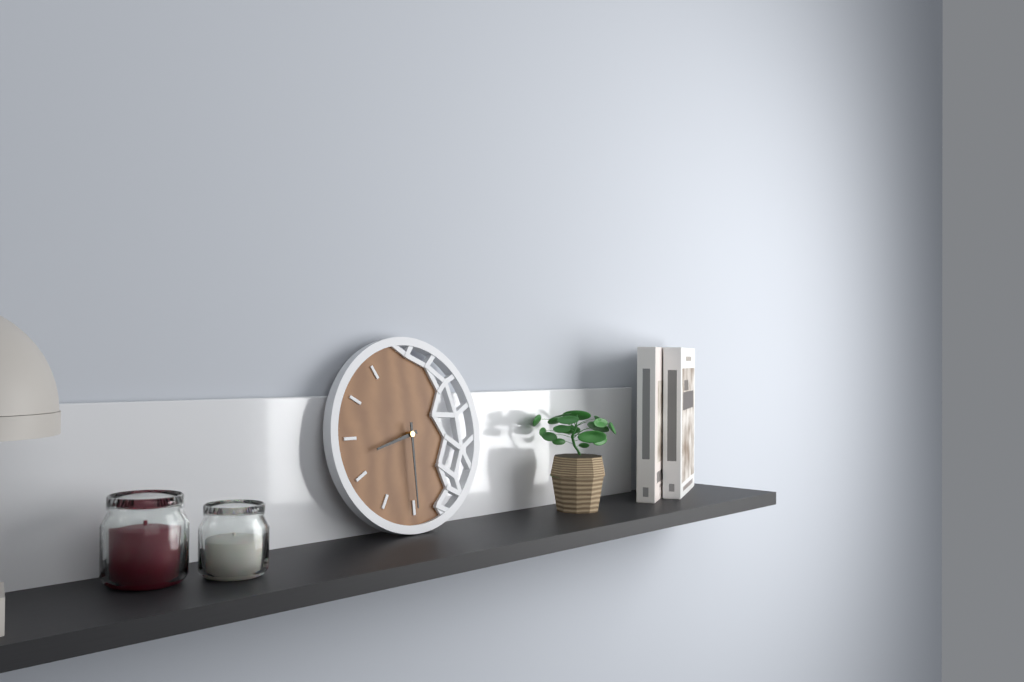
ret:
8:30
